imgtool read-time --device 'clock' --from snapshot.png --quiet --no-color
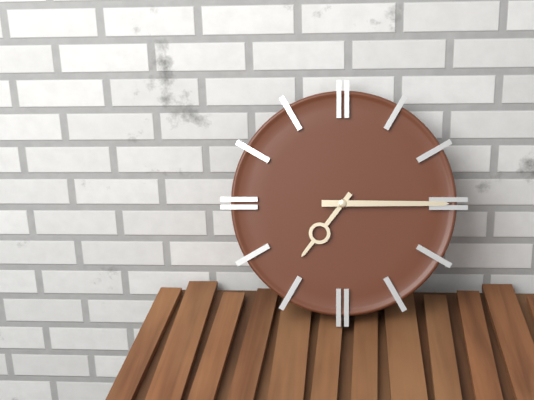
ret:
7:15
